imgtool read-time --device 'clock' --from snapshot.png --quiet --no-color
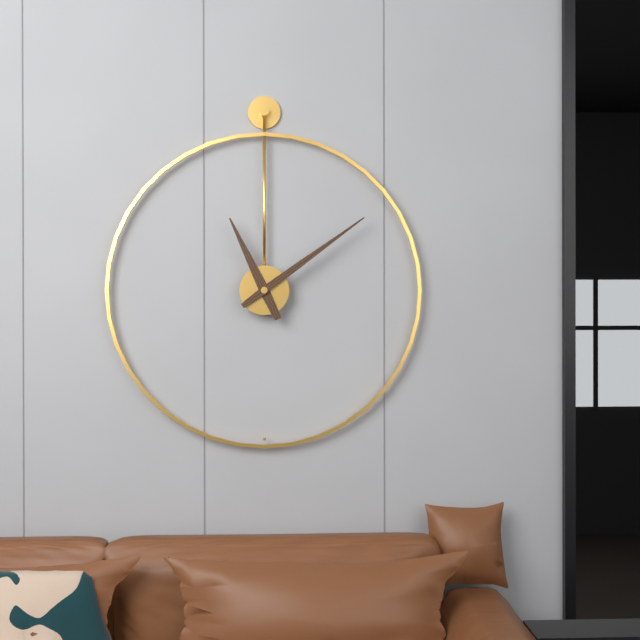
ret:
11:09
